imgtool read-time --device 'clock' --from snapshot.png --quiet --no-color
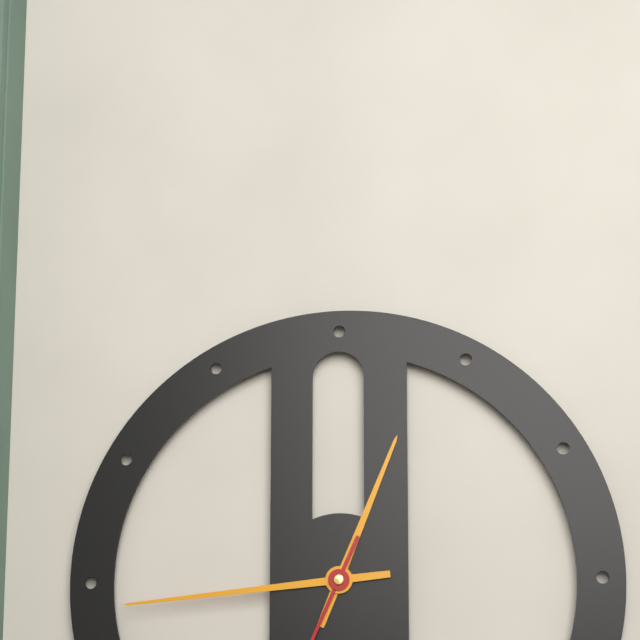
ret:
12:44
